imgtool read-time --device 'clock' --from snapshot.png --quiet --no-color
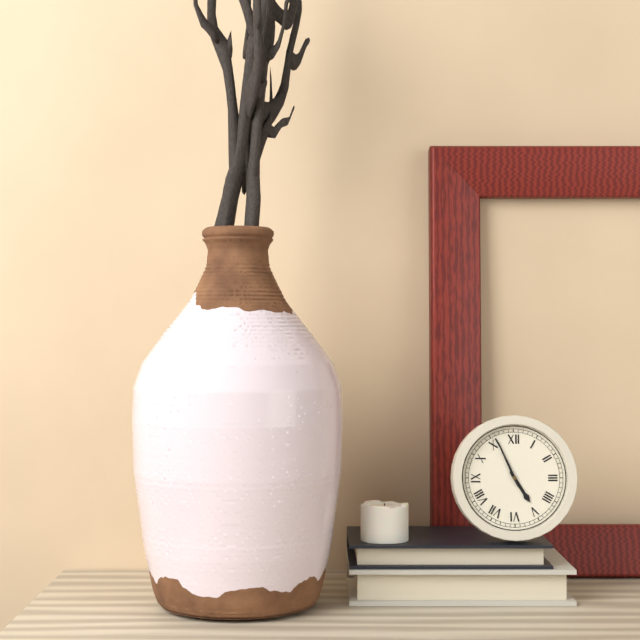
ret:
4:56
